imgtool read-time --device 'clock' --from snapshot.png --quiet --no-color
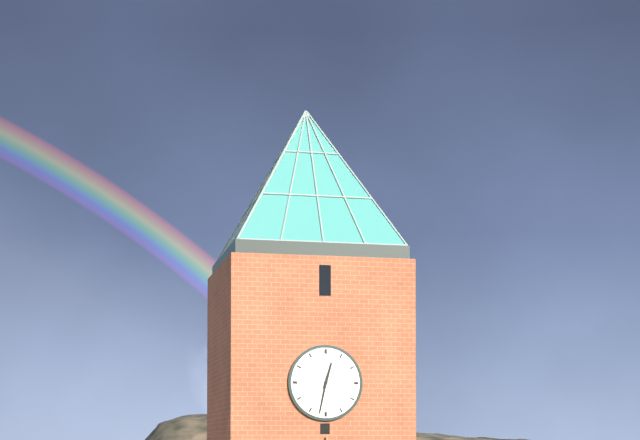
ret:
12:32
